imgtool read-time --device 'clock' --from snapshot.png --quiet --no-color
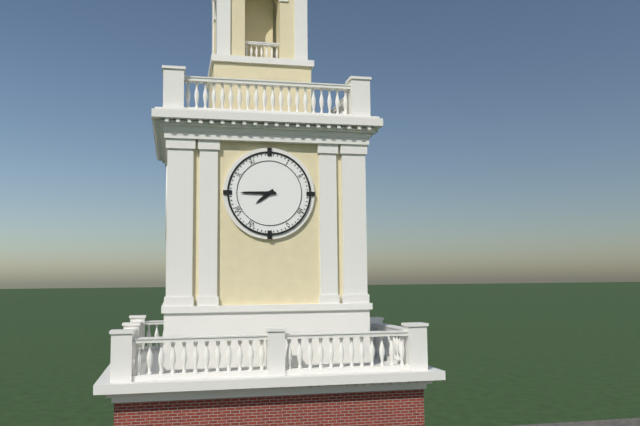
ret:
7:45
